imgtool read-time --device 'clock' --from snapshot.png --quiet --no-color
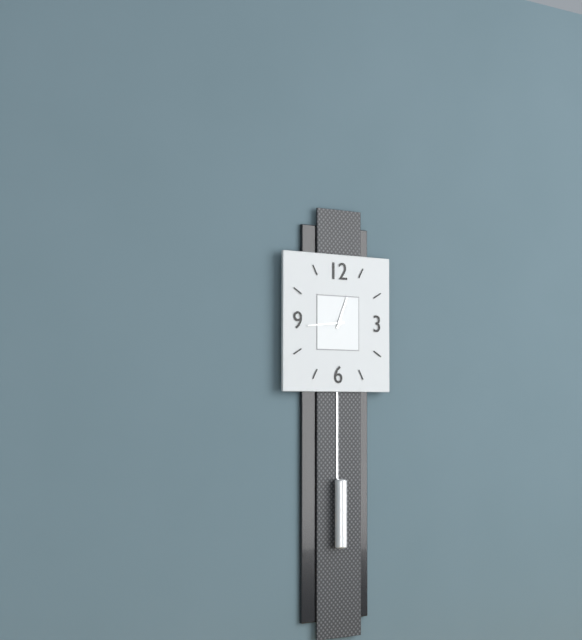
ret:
12:44
